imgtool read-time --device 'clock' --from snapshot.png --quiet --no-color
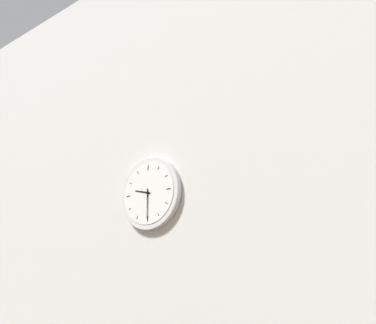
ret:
9:30
